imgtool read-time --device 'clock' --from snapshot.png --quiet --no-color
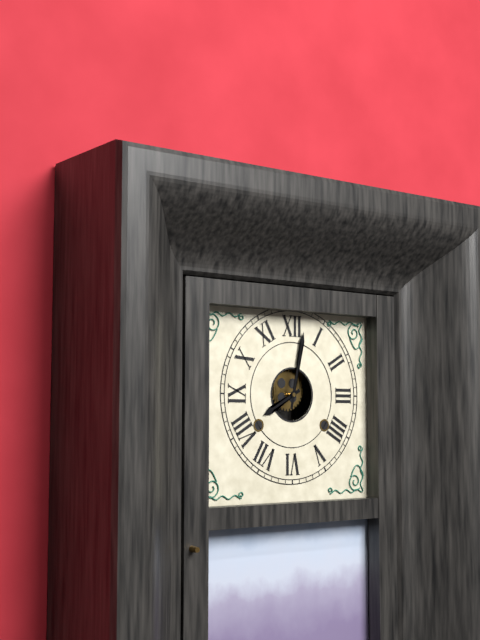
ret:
8:02
